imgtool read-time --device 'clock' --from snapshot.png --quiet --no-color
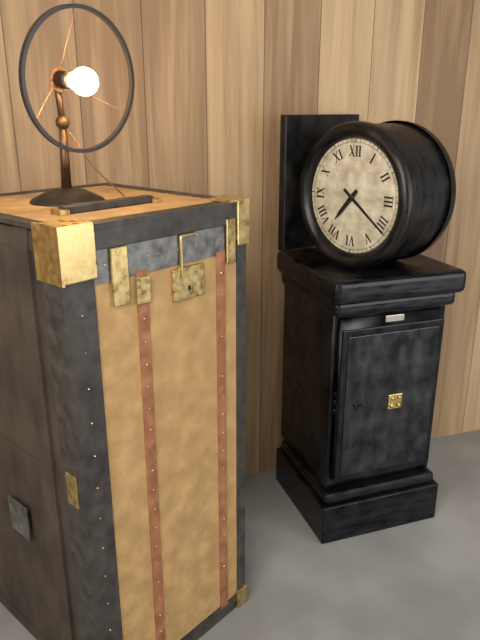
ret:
7:21
